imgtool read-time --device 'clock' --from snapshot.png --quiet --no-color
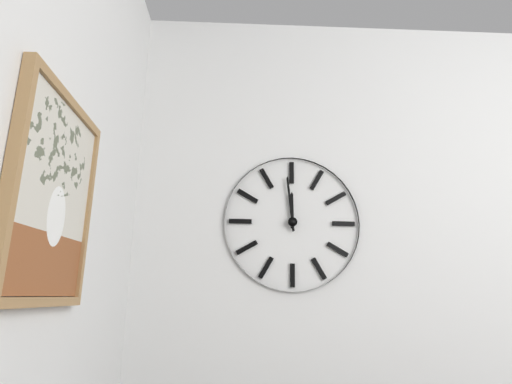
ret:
11:59
